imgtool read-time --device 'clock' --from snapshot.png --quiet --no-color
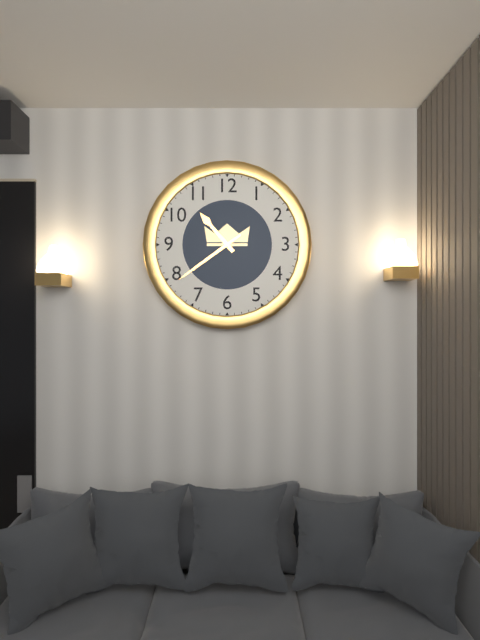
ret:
10:39
